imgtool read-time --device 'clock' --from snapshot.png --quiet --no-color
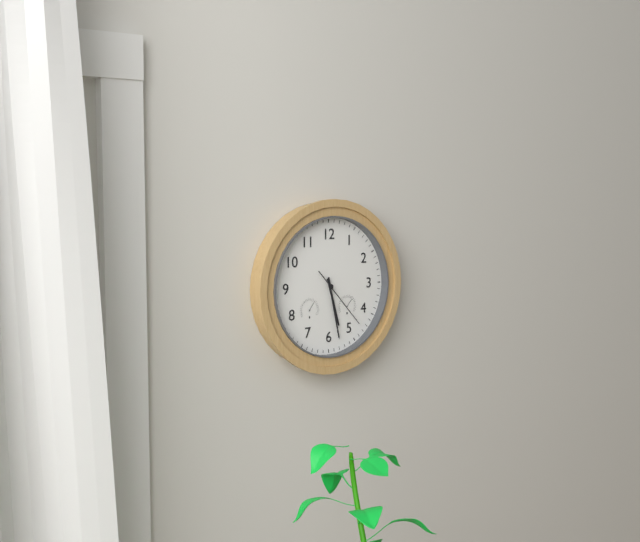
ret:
5:28:23
